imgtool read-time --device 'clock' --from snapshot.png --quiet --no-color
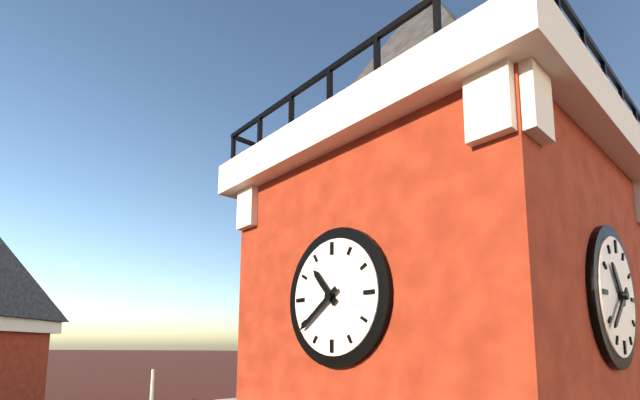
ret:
10:39
